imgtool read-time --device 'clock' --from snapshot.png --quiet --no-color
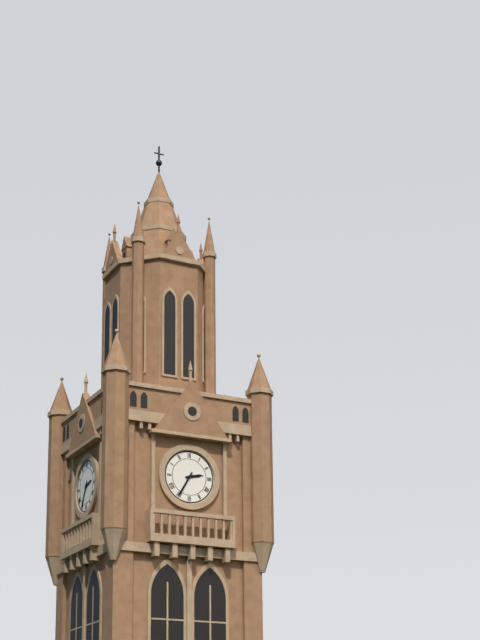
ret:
2:35
